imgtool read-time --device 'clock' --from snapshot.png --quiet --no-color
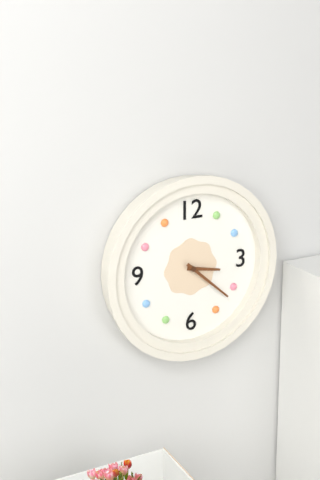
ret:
3:22
